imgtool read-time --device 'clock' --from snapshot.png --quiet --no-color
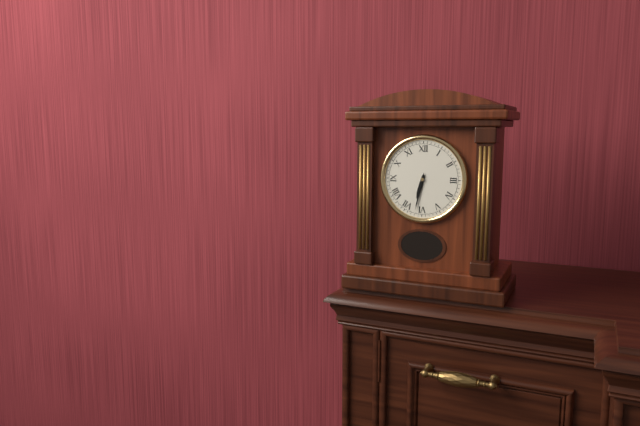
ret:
6:32
